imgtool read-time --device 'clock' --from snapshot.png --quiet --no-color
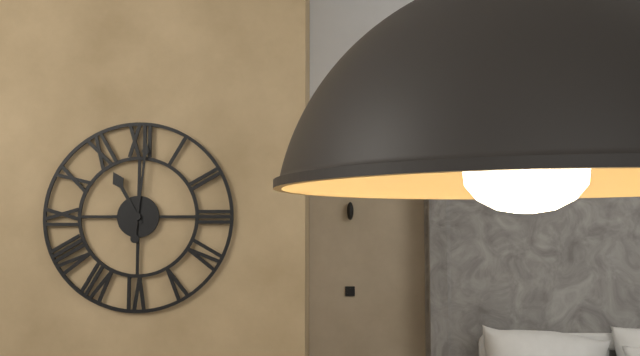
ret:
11:01
